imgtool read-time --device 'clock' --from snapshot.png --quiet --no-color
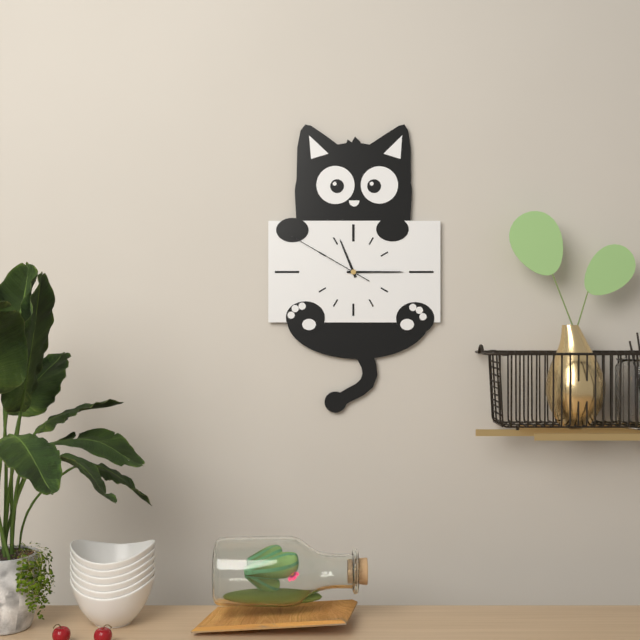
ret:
11:15:50
